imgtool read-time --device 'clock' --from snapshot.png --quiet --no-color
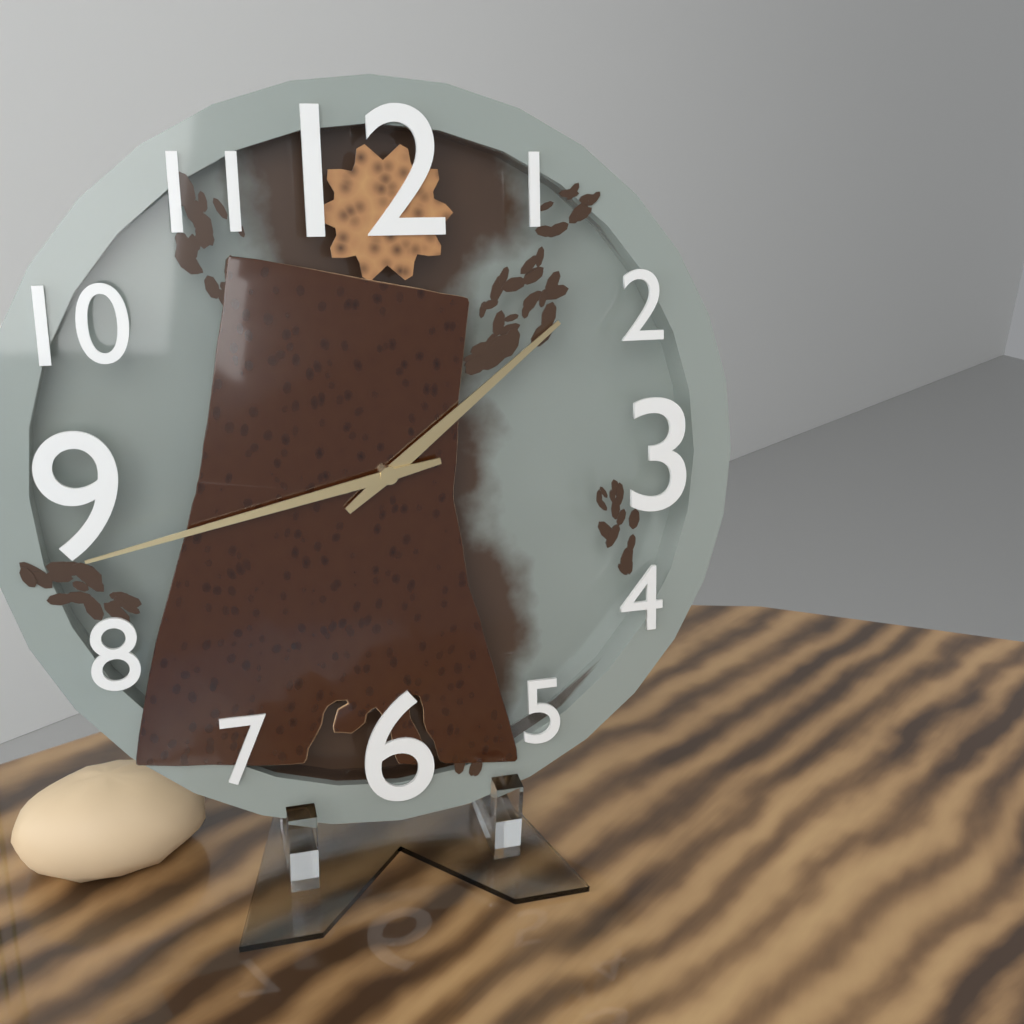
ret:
1:43
